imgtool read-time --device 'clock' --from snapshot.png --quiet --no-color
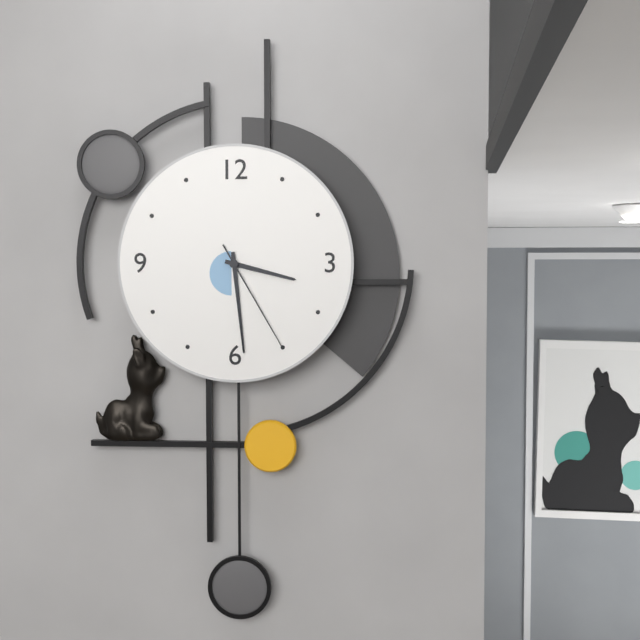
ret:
3:29:25
